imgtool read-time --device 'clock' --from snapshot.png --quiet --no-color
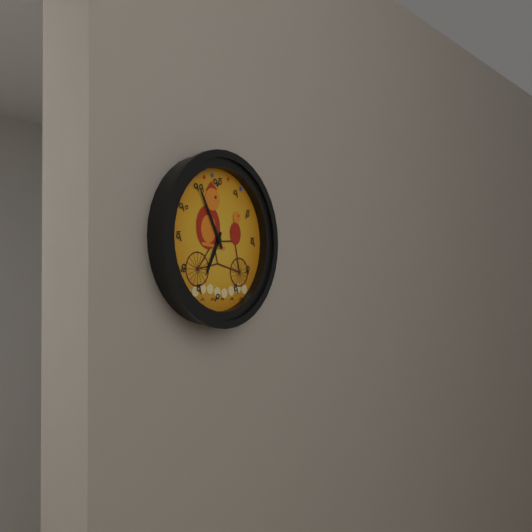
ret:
6:55
